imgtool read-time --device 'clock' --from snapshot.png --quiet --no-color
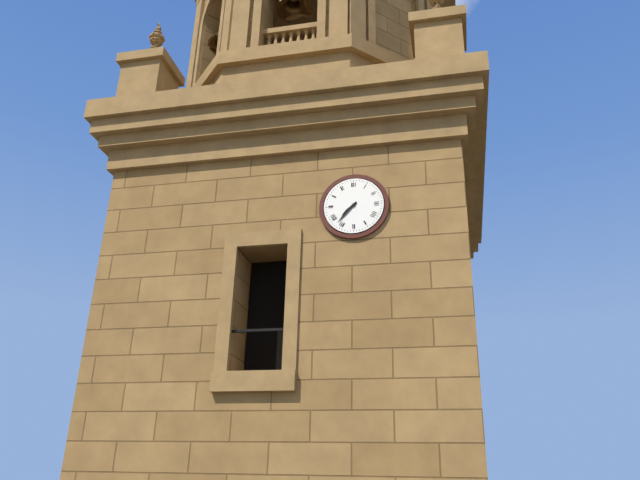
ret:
7:37
